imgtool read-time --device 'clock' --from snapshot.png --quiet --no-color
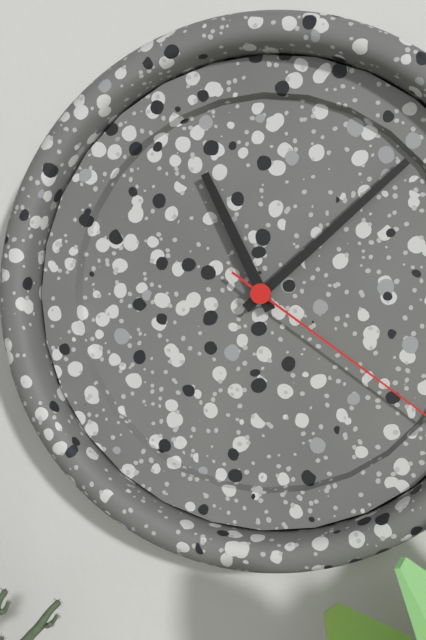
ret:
11:08
